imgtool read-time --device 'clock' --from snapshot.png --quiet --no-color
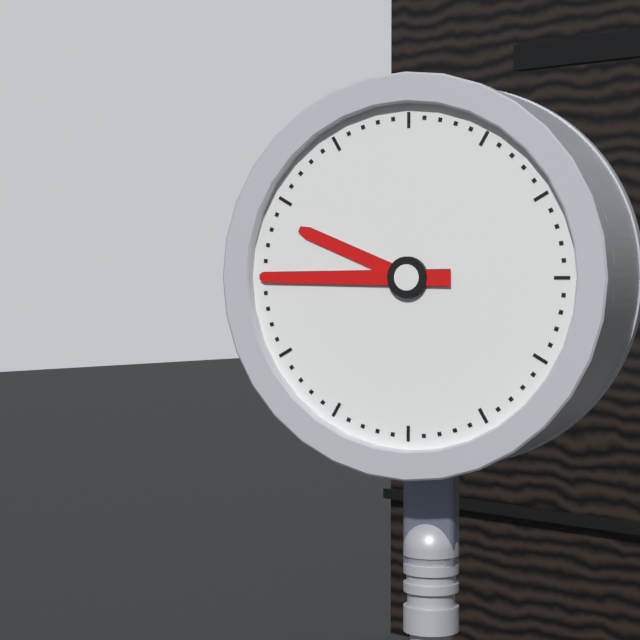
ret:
9:45
